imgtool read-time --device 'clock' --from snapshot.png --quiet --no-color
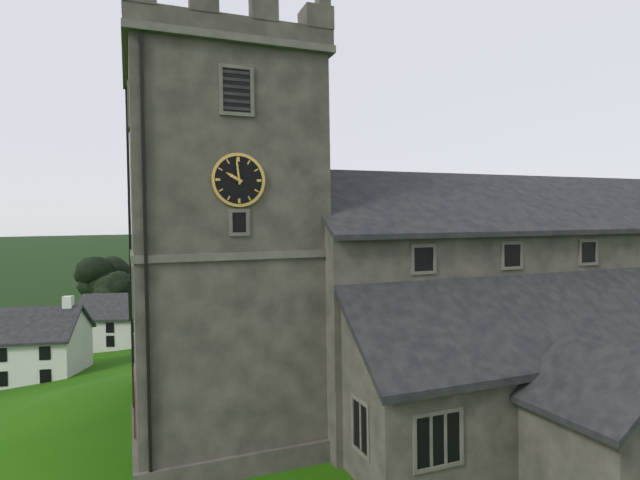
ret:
9:59
